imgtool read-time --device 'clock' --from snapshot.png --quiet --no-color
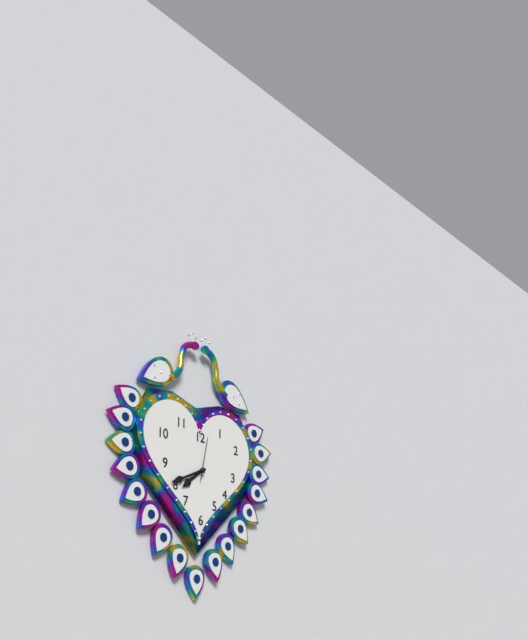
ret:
7:41
